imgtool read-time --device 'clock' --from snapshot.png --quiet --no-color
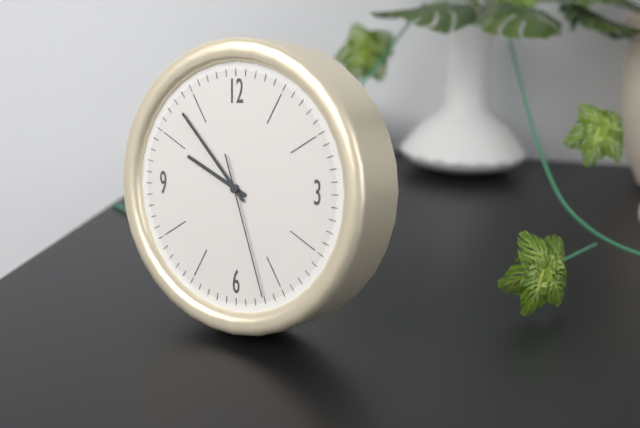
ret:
9:53:27
